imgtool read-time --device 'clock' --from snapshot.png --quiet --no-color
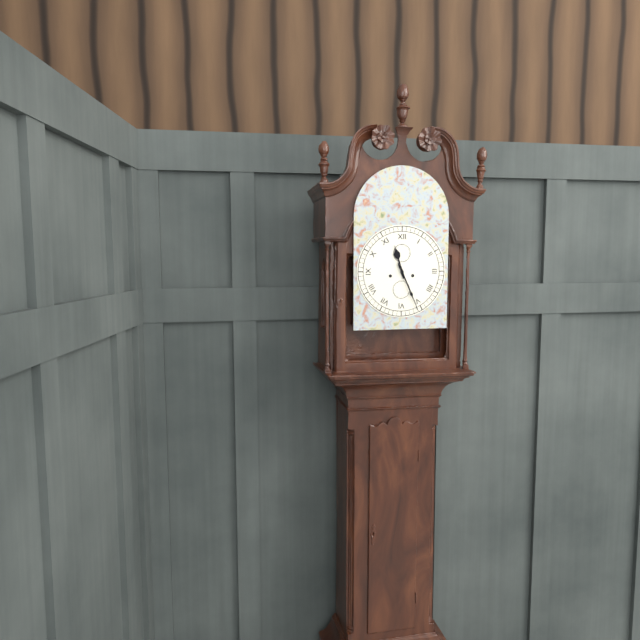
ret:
11:26
